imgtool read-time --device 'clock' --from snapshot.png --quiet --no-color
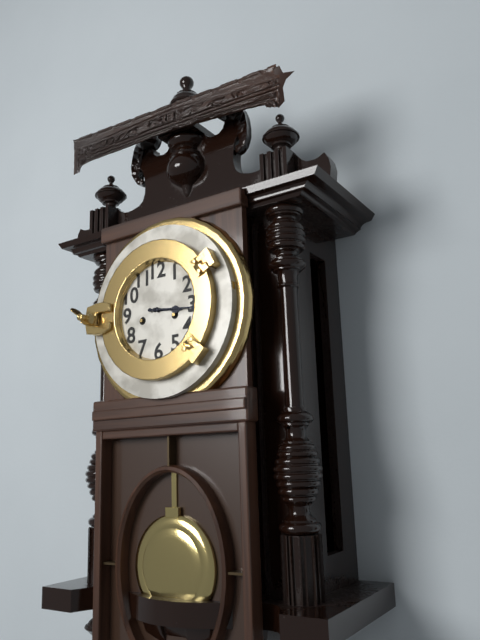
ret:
3:16
